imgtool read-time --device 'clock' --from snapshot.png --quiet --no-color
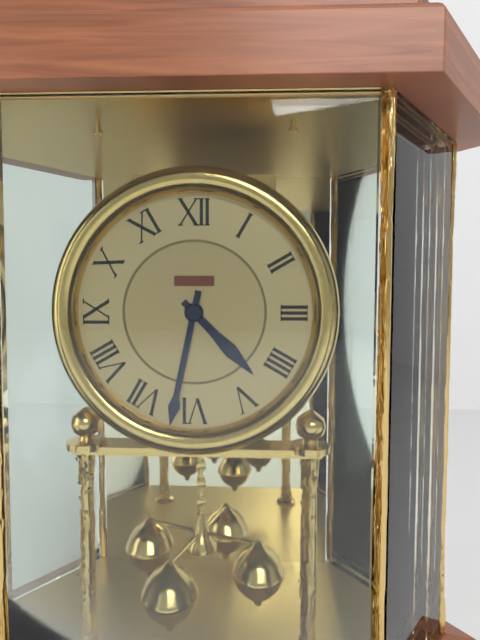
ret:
4:32
